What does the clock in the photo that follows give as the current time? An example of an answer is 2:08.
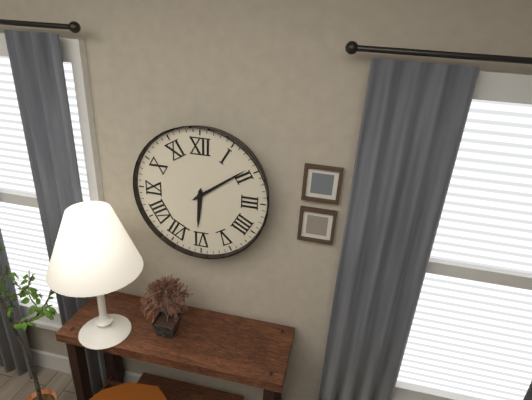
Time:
6:09
